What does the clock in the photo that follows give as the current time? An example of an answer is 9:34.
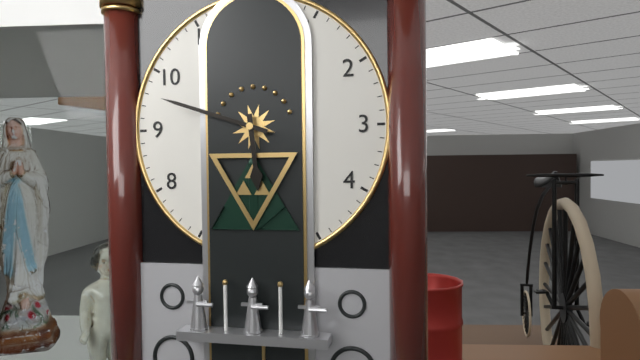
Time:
5:48
